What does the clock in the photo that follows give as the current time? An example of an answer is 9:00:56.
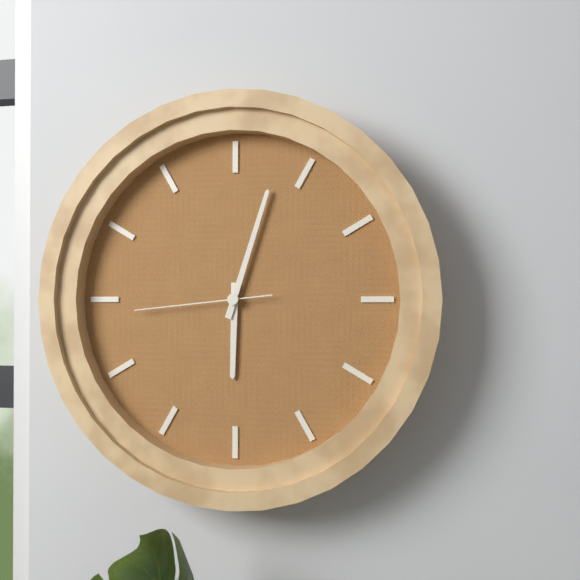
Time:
6:03:44
